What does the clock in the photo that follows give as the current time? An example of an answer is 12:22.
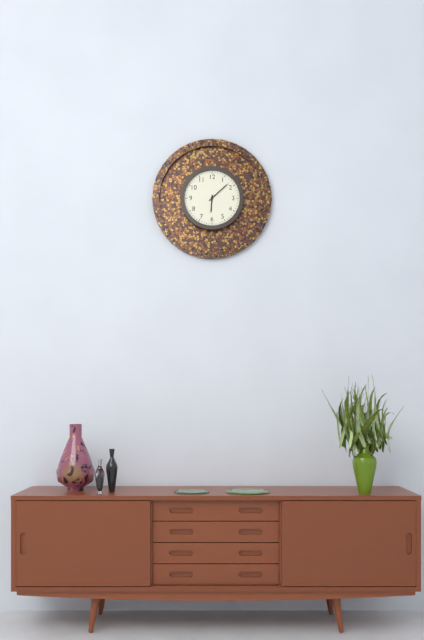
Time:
6:08
